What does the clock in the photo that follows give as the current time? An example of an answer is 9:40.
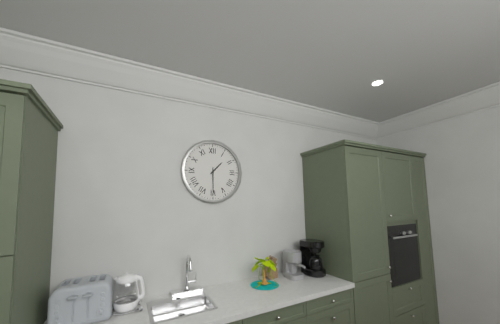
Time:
1:30
